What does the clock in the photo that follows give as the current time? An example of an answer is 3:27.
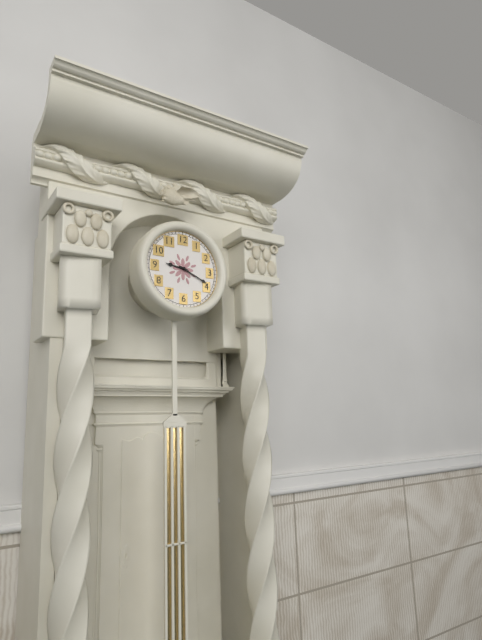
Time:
9:19
